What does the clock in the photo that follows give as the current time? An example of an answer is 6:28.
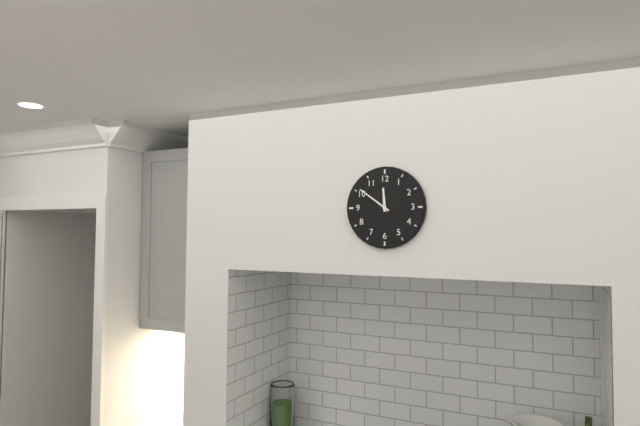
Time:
11:51
